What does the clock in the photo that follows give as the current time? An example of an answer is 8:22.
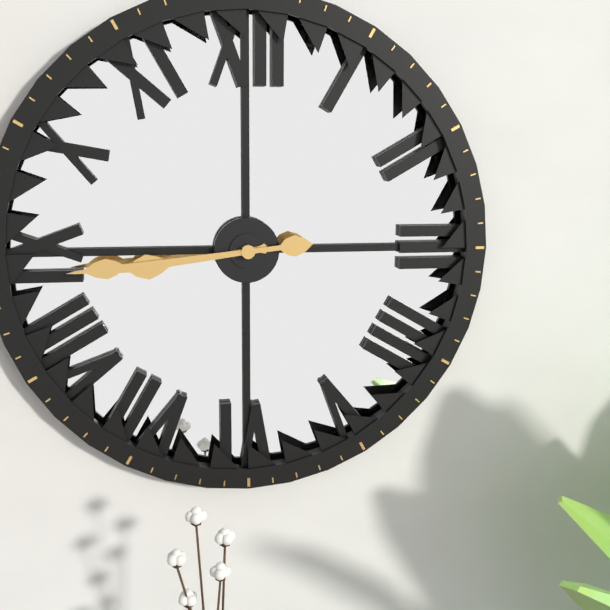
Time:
8:44
